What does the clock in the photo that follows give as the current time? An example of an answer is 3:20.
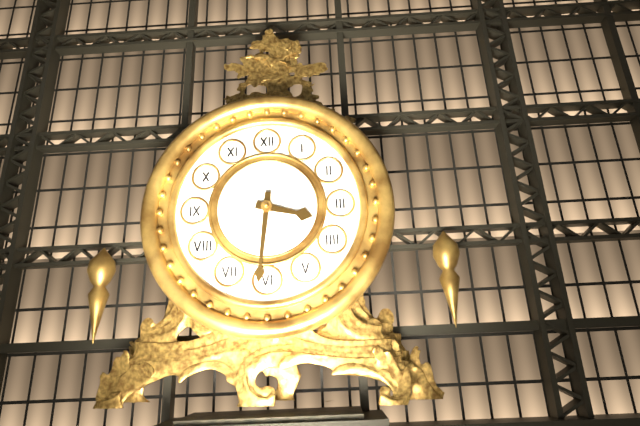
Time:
3:31
